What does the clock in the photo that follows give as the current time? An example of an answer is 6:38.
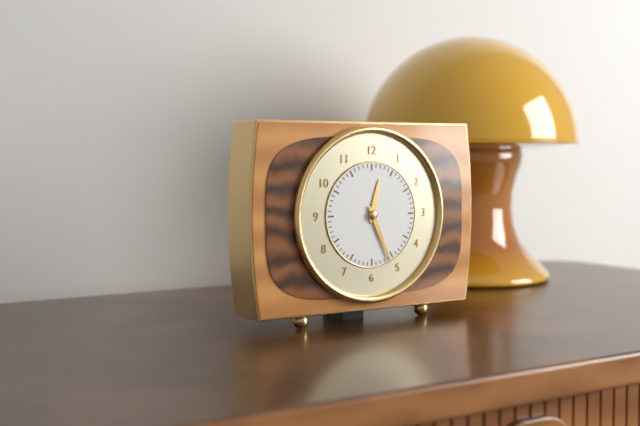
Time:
12:26
